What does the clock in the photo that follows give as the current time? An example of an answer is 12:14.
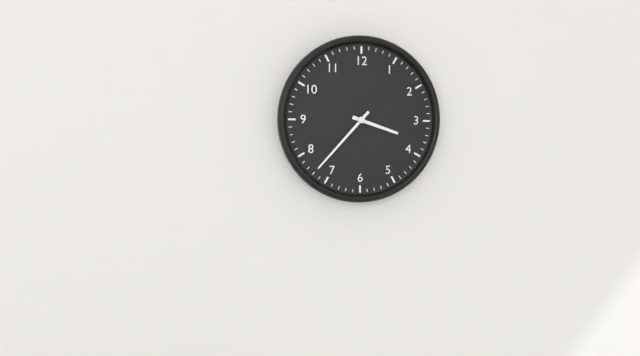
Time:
3:37
